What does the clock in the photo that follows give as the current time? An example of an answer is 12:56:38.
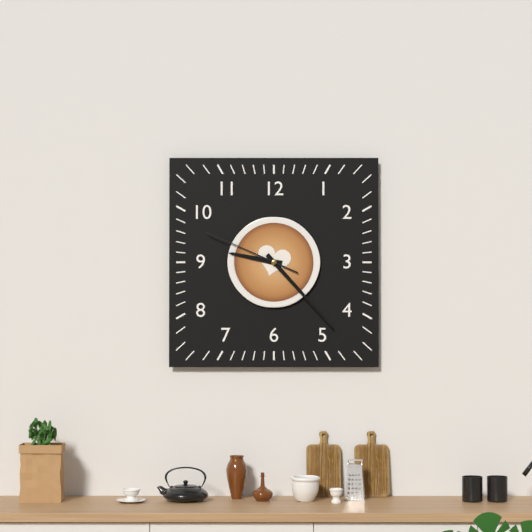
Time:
9:23:49
